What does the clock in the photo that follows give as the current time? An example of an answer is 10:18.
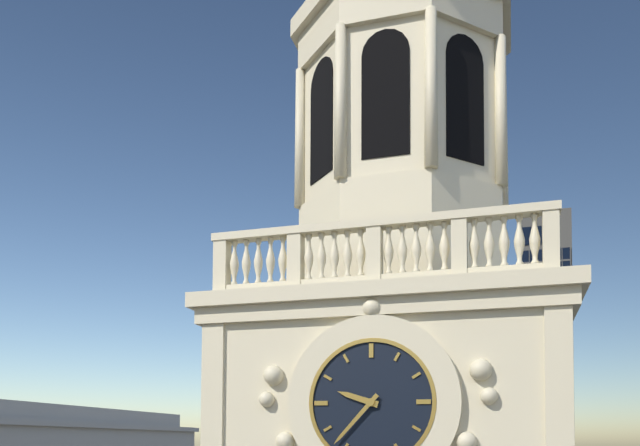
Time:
9:37
